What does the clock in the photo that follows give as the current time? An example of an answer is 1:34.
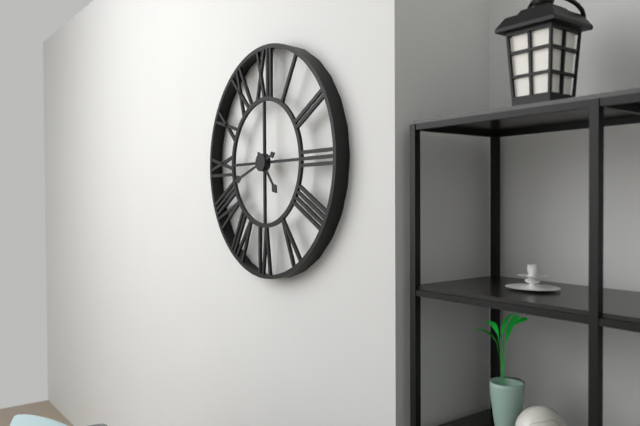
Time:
4:42
